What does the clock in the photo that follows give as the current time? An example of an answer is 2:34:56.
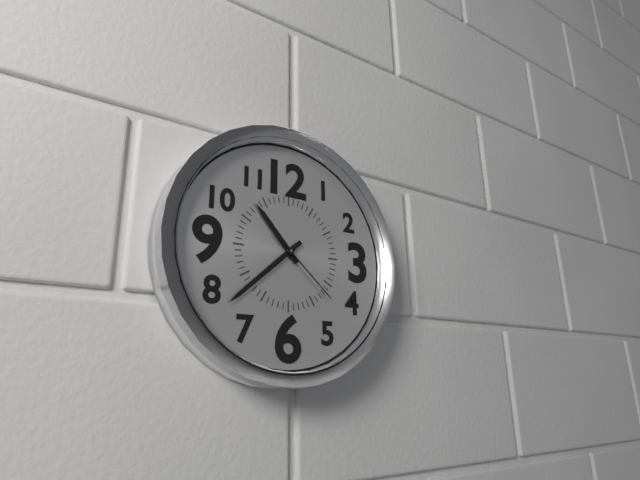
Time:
10:38:22
